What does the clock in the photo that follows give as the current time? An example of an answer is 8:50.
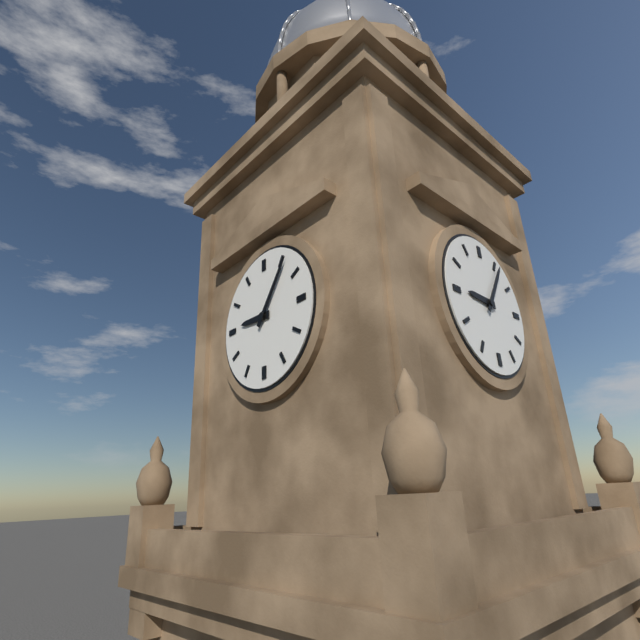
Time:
9:06
